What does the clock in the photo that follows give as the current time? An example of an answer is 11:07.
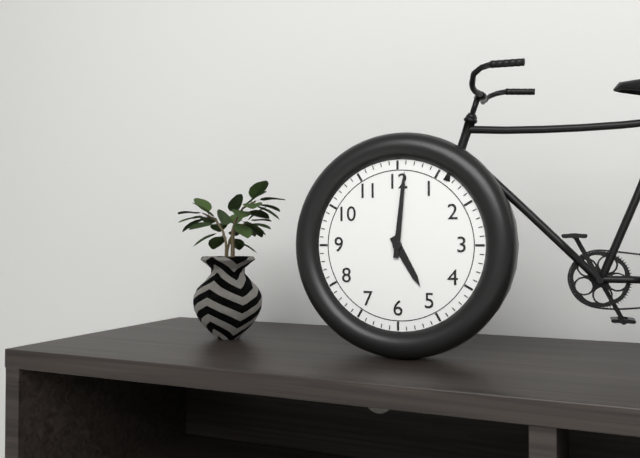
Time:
5:01
